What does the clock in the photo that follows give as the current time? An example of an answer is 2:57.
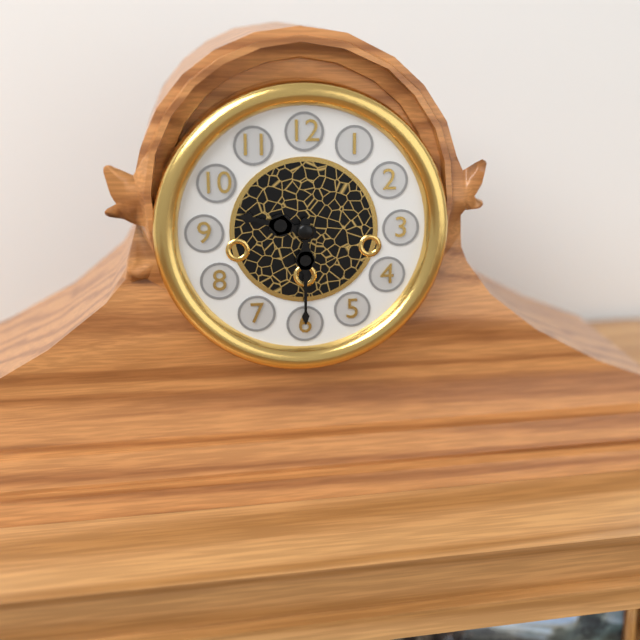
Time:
9:30
